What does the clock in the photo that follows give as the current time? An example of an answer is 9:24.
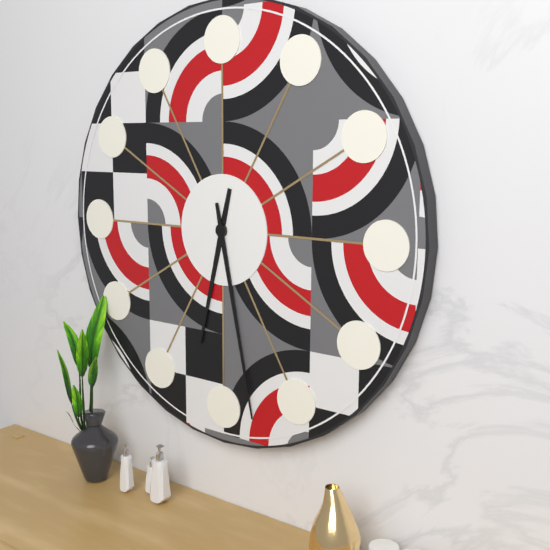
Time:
6:28
